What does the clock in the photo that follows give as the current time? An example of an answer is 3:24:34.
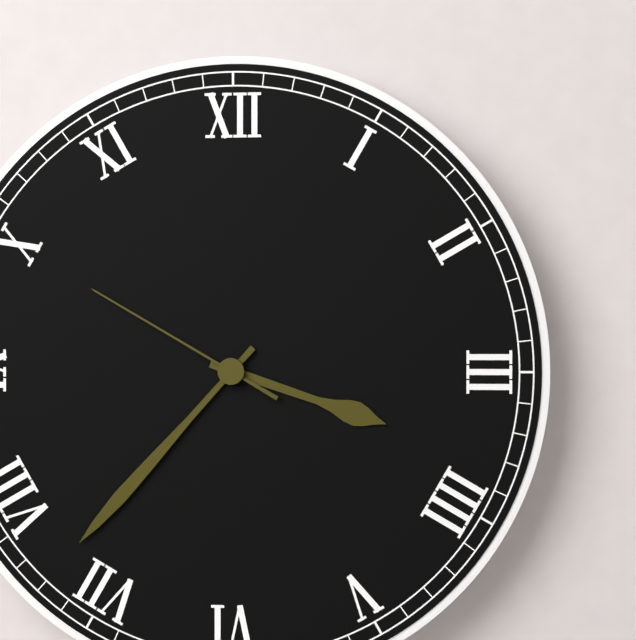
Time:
3:37:50
